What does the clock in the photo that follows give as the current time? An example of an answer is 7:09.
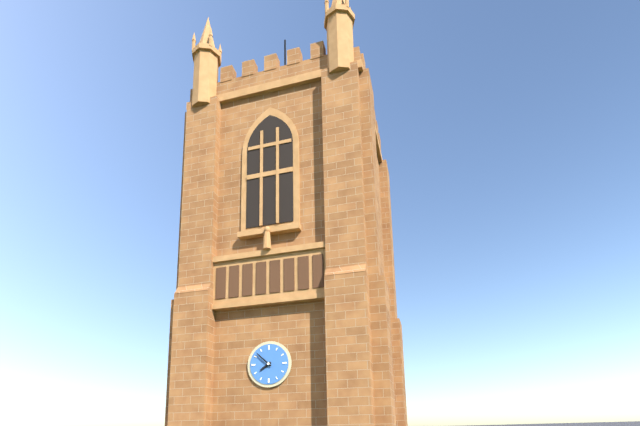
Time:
7:52
